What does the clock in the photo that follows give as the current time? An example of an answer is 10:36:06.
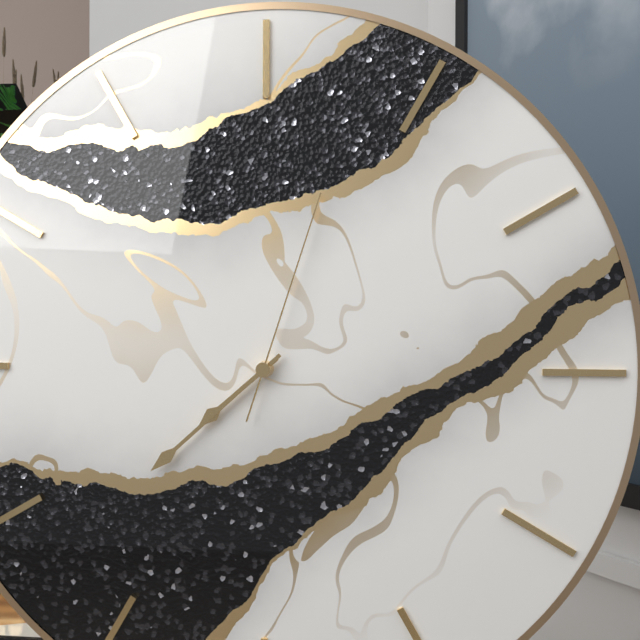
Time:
7:38:03
